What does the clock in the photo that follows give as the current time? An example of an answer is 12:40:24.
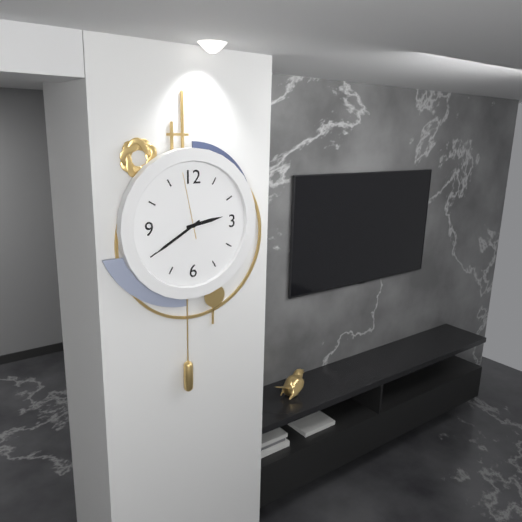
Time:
2:40:58
